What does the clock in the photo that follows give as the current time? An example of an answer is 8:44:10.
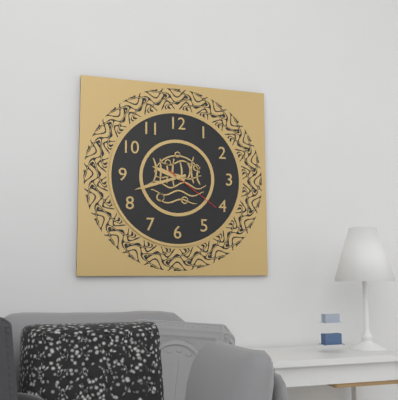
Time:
9:42:21
